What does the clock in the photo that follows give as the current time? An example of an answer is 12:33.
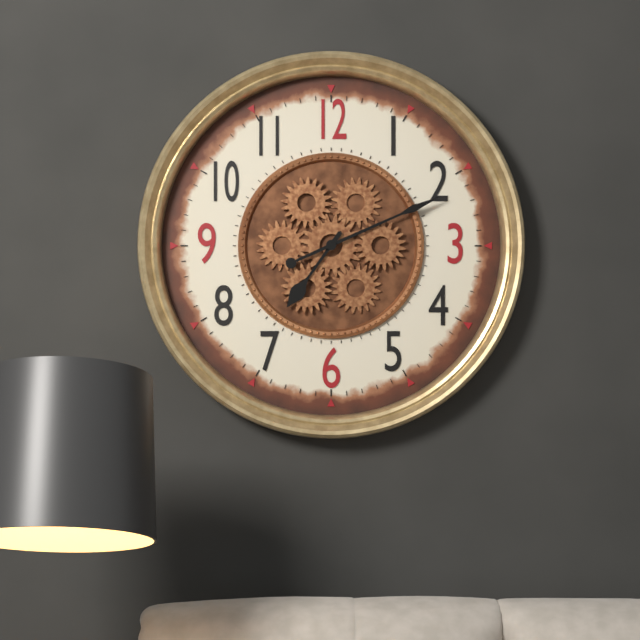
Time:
7:11
